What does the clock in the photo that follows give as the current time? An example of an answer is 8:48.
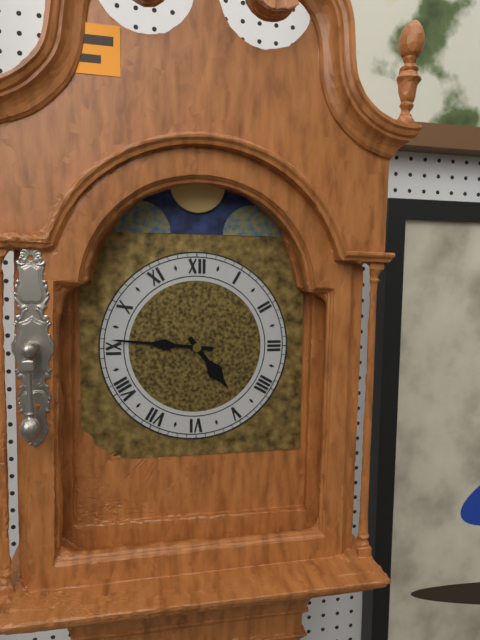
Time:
4:46
